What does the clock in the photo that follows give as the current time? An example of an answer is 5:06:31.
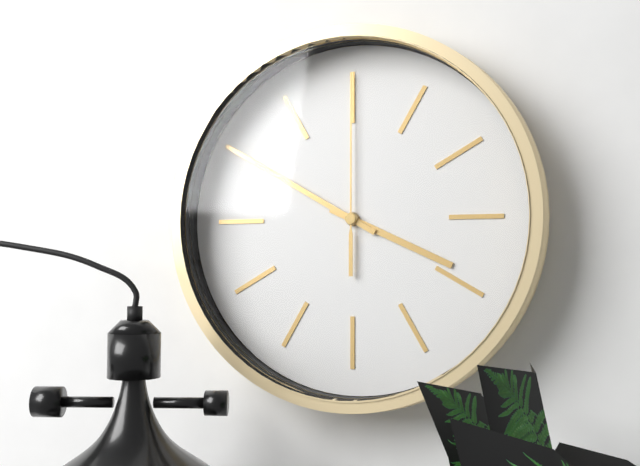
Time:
3:50:00
